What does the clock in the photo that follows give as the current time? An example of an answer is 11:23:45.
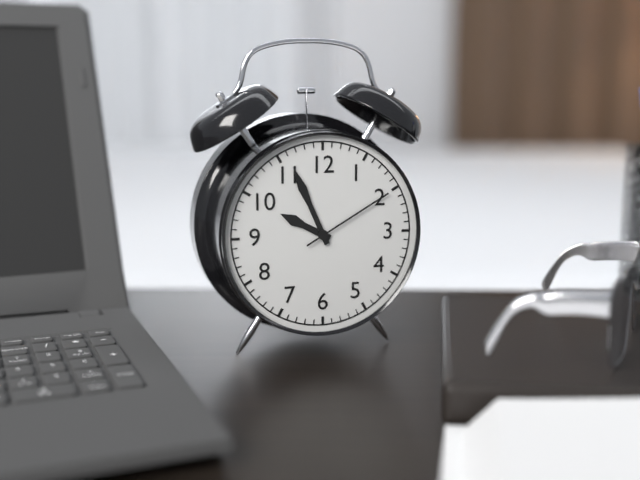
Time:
9:56:10
